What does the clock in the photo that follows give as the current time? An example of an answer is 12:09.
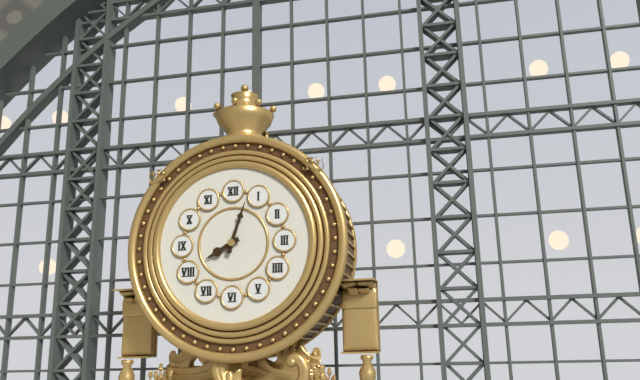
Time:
8:03
